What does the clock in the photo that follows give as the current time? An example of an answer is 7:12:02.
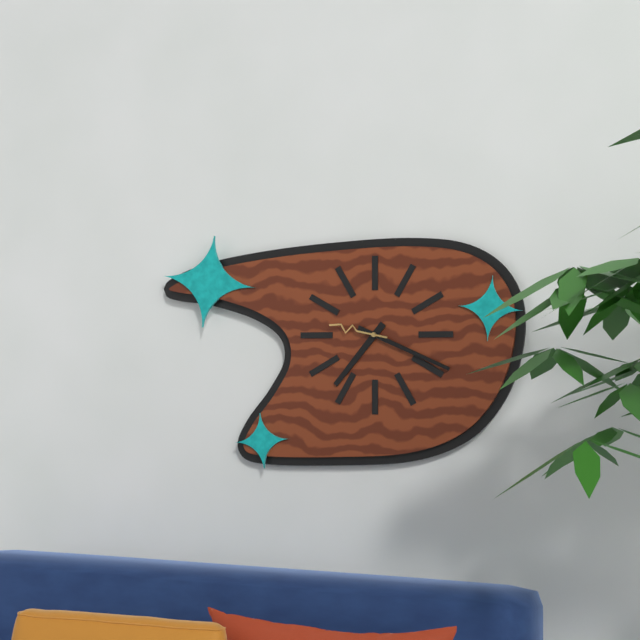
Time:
7:19:47
